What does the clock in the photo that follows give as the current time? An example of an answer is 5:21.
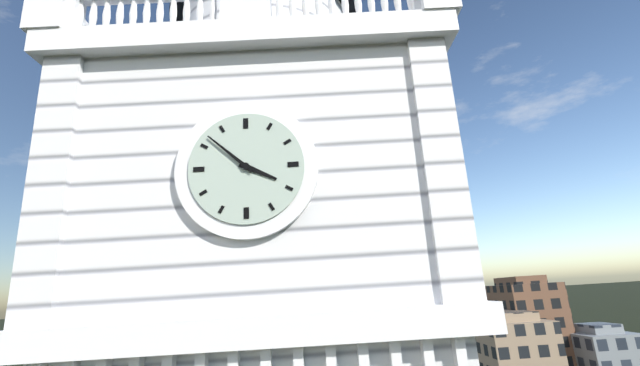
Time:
3:52
